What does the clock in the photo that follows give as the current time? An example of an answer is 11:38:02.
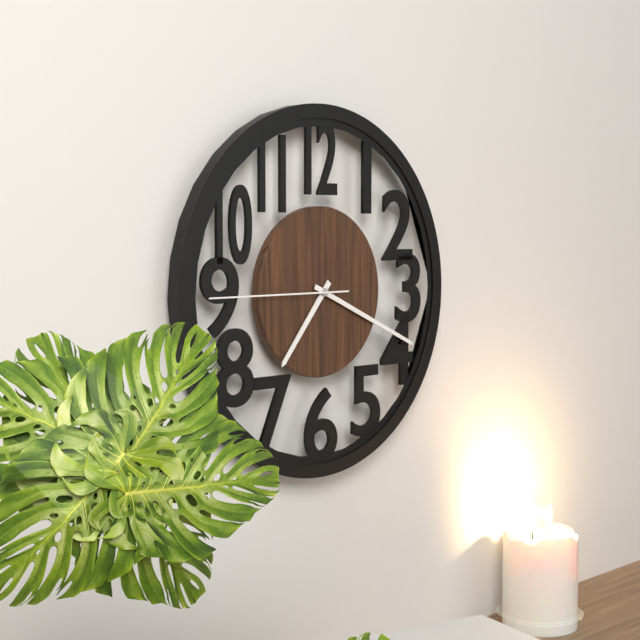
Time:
7:19:45
